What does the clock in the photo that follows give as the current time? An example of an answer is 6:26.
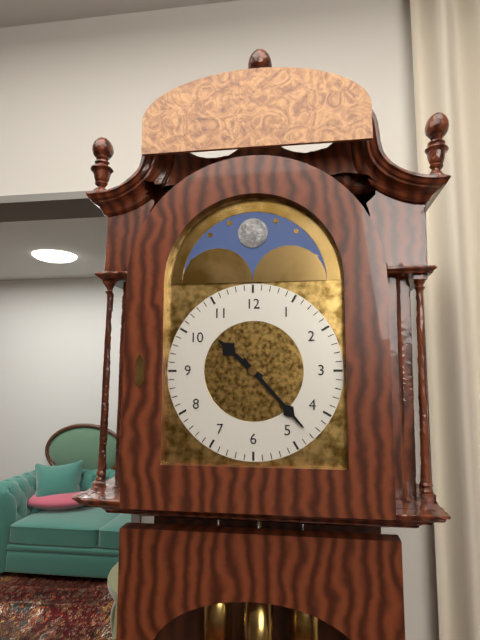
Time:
10:23
